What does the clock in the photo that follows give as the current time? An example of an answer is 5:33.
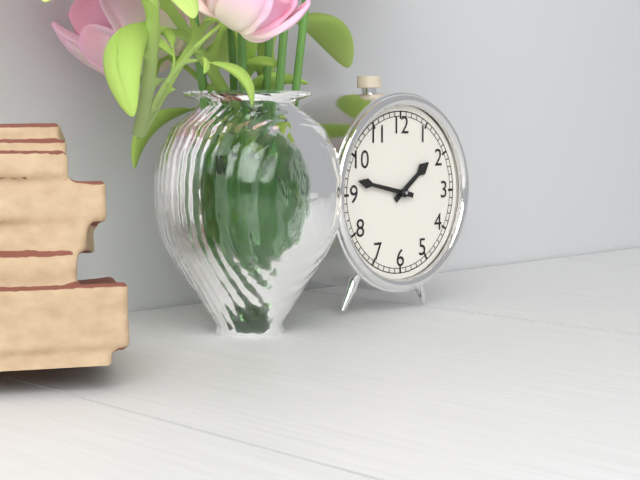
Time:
1:47
